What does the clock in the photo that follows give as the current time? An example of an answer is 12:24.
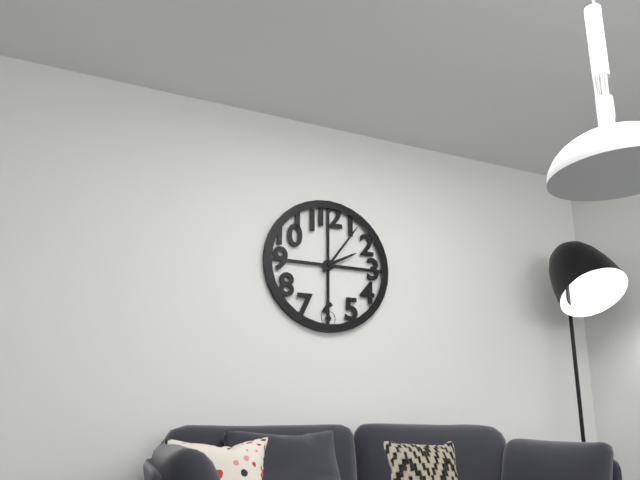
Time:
2:06
